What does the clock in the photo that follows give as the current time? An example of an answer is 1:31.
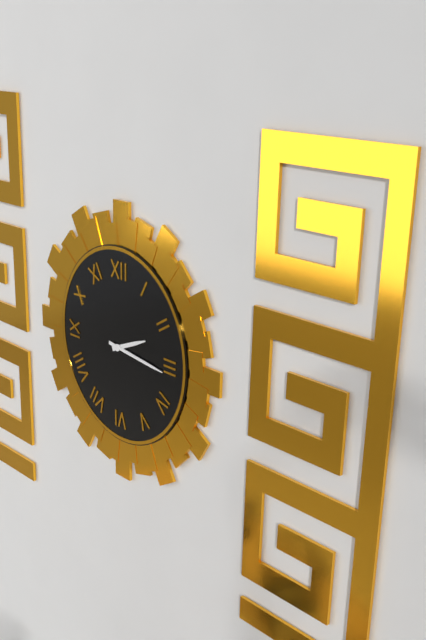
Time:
2:16
